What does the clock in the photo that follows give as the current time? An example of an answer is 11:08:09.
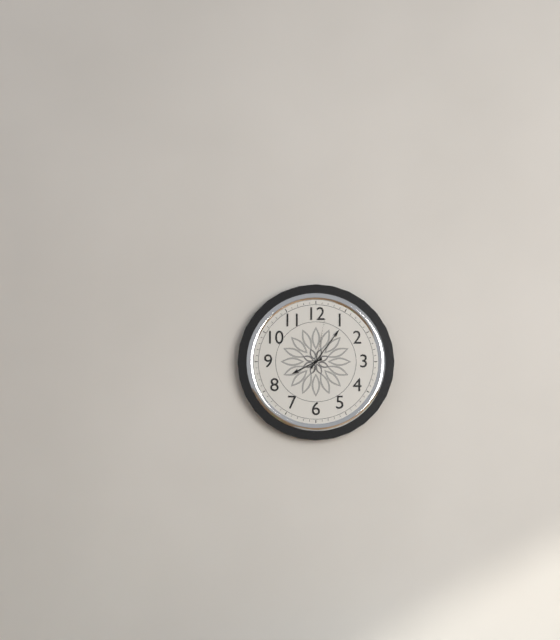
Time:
8:06:02
